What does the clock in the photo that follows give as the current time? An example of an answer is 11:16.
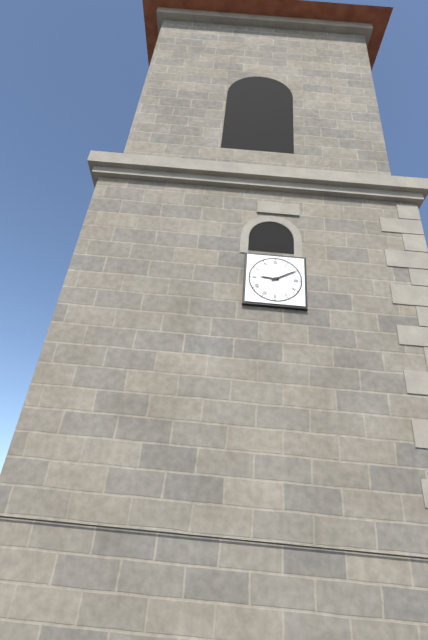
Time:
9:10
